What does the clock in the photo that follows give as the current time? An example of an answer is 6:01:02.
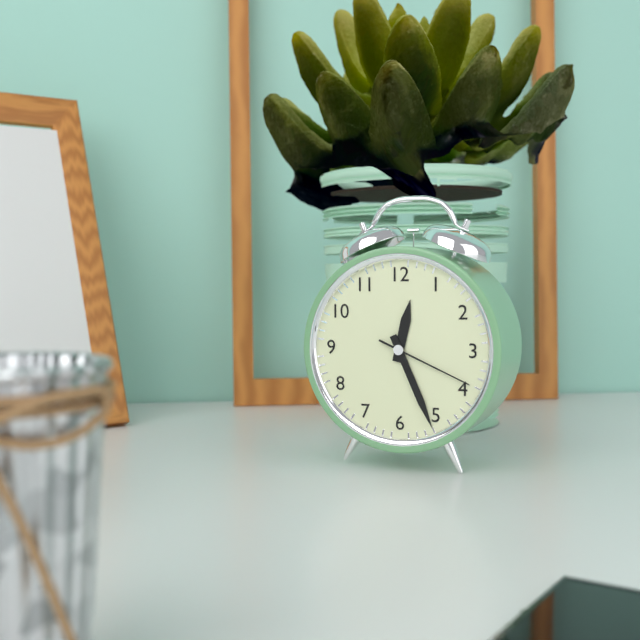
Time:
12:26:19
